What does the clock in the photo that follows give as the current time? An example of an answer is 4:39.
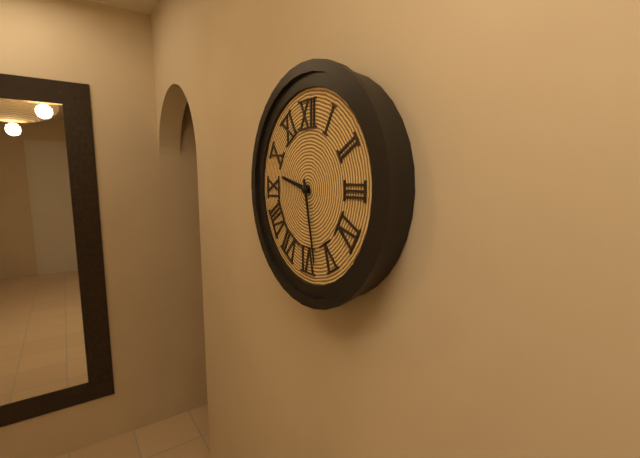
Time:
9:28
